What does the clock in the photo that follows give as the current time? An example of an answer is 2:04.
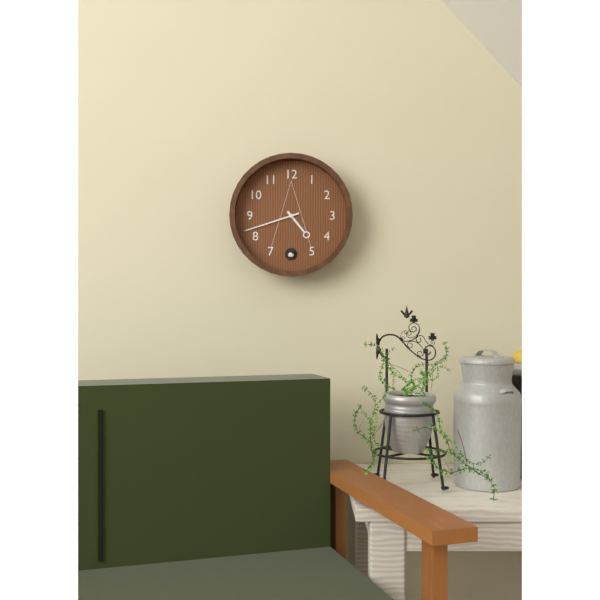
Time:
4:42
